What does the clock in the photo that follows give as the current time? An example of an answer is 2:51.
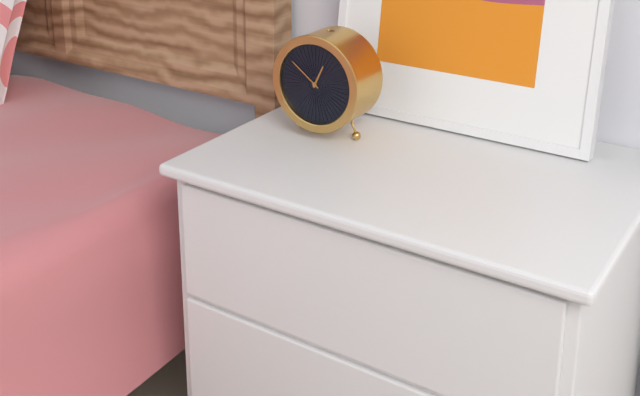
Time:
12:51
